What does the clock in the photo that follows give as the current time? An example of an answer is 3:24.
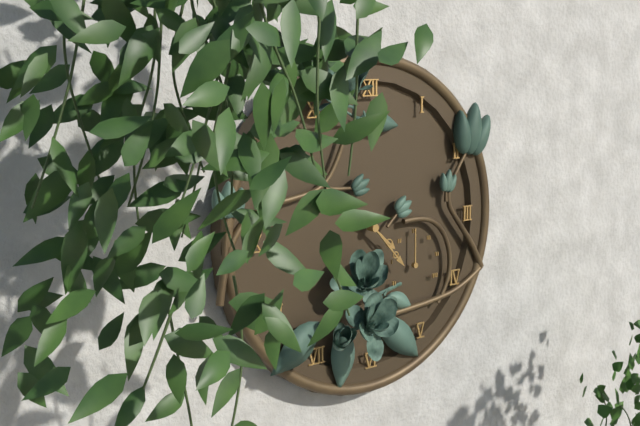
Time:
4:23
